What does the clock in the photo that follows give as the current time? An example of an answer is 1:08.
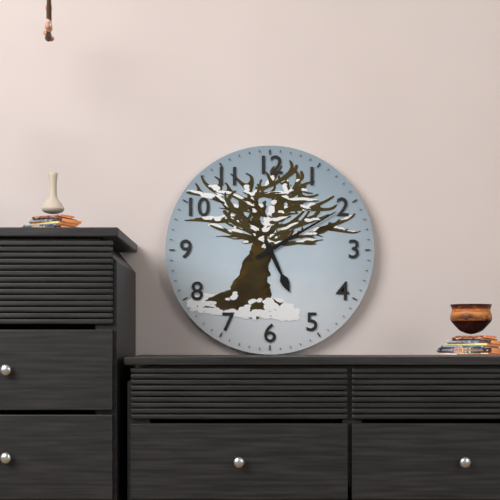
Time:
5:10
